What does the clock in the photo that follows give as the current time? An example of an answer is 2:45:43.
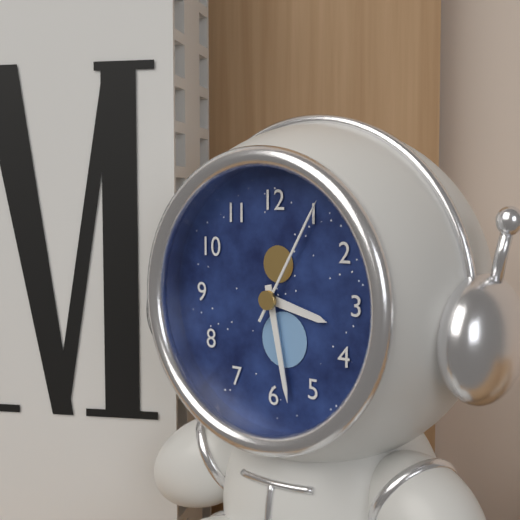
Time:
3:28:05
